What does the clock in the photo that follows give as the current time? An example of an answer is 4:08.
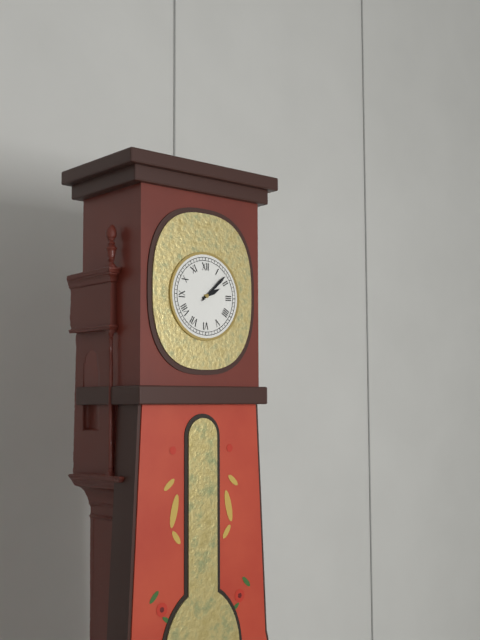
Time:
2:08
